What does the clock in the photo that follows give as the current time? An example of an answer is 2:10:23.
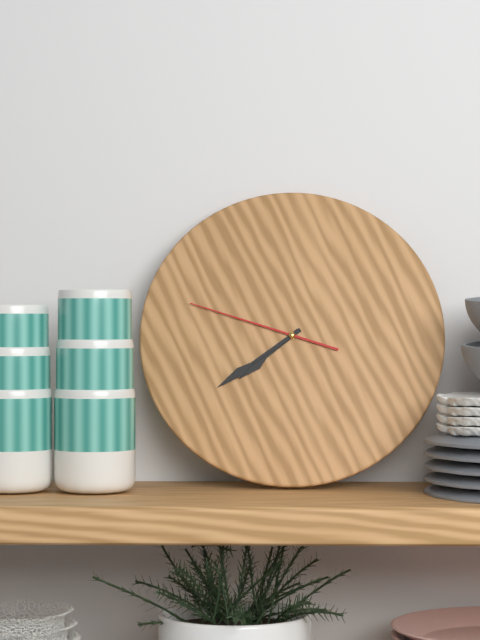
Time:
7:39:48
